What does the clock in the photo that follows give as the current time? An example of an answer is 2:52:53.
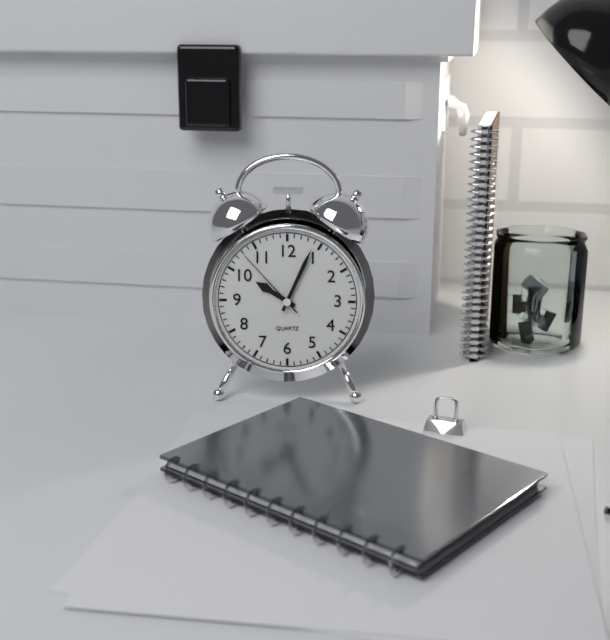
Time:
10:04:53
